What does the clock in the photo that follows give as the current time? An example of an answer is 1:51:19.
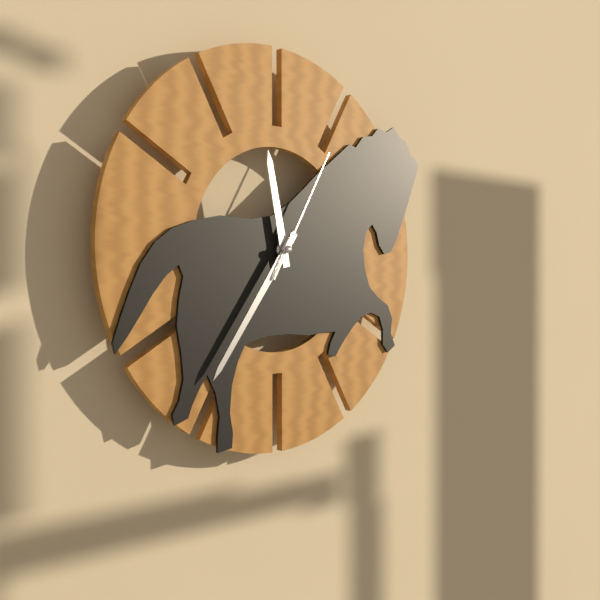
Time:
11:36:05
